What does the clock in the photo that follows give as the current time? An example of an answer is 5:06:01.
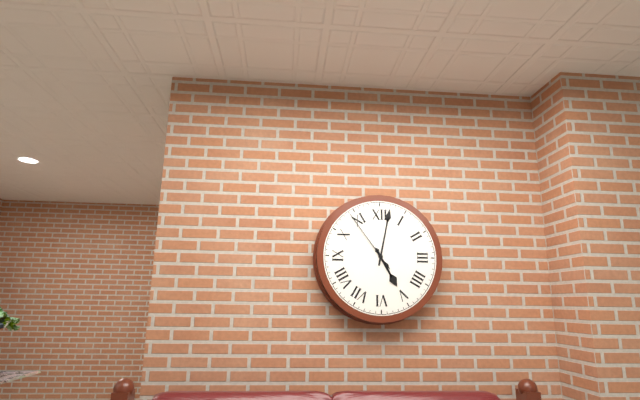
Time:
5:02:54
